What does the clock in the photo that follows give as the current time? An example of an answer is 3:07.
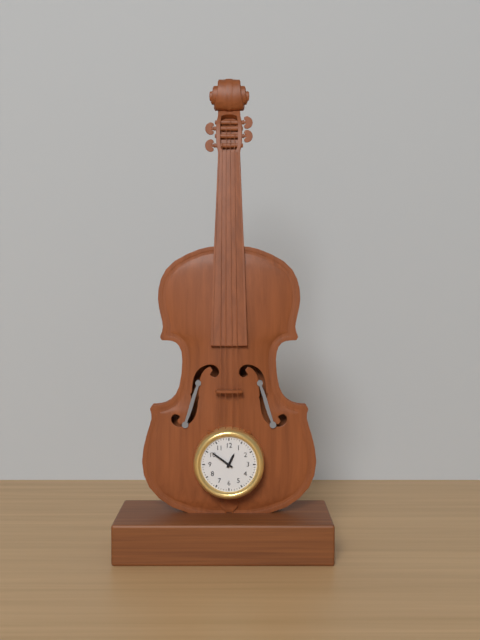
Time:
12:51
